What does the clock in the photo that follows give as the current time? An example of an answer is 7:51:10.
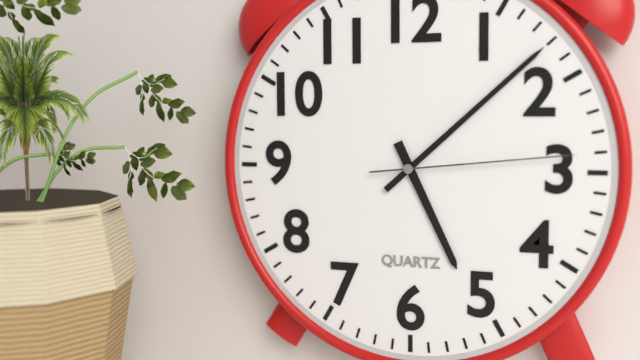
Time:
5:08:14
